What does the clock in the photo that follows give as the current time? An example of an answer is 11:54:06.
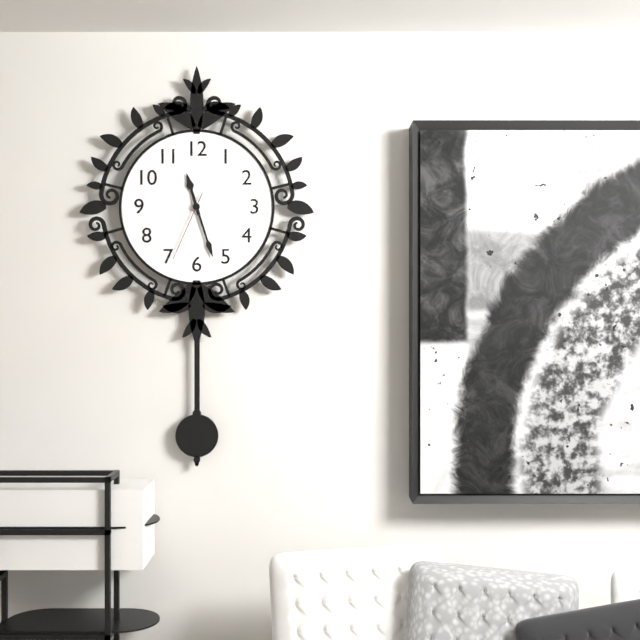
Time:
11:27:34
